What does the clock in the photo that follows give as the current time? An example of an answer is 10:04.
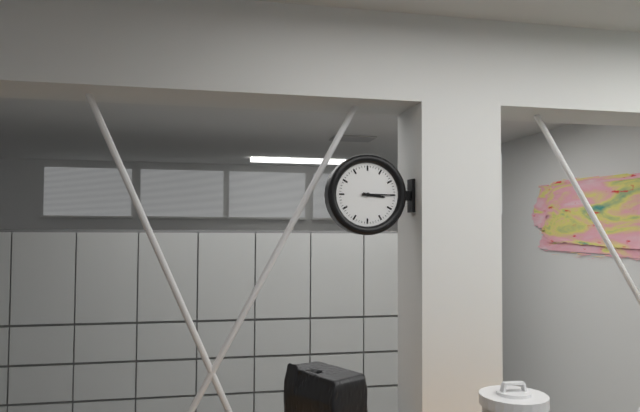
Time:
3:15
